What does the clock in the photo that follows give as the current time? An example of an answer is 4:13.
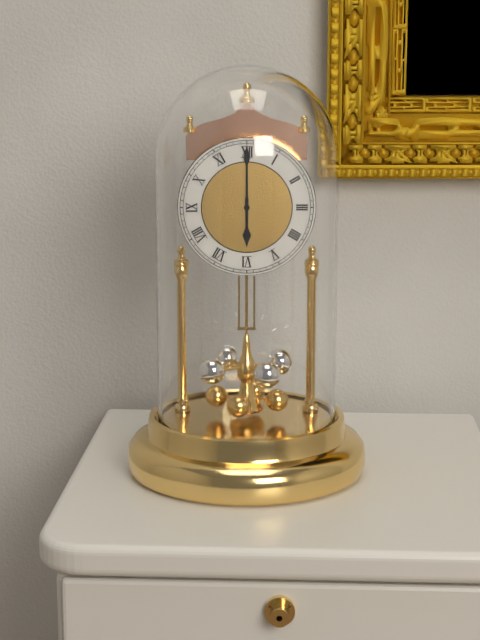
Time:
6:00
